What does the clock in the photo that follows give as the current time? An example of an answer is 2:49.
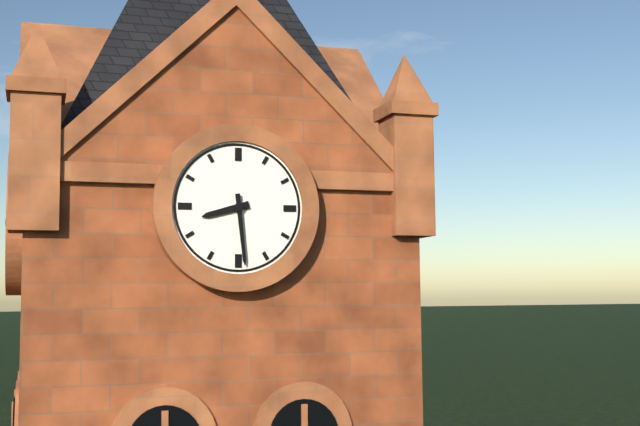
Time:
8:29
